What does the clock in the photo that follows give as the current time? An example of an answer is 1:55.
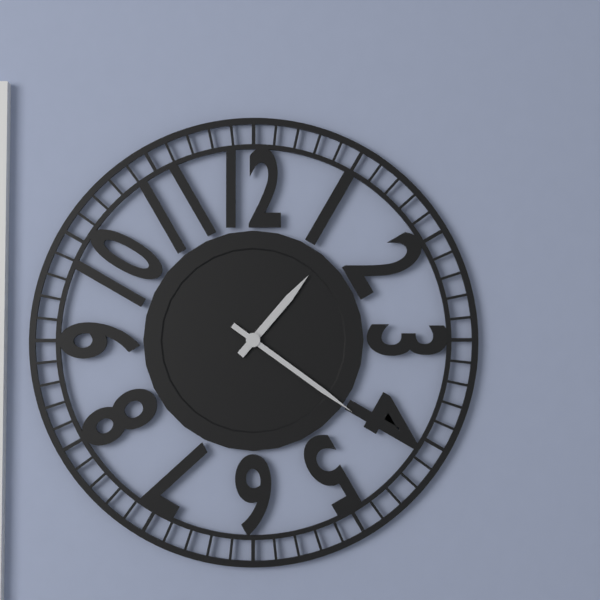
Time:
1:21
